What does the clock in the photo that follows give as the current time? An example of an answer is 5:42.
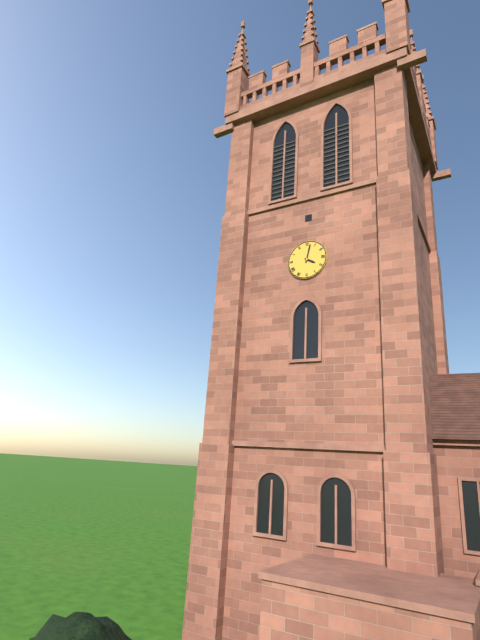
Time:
4:02
